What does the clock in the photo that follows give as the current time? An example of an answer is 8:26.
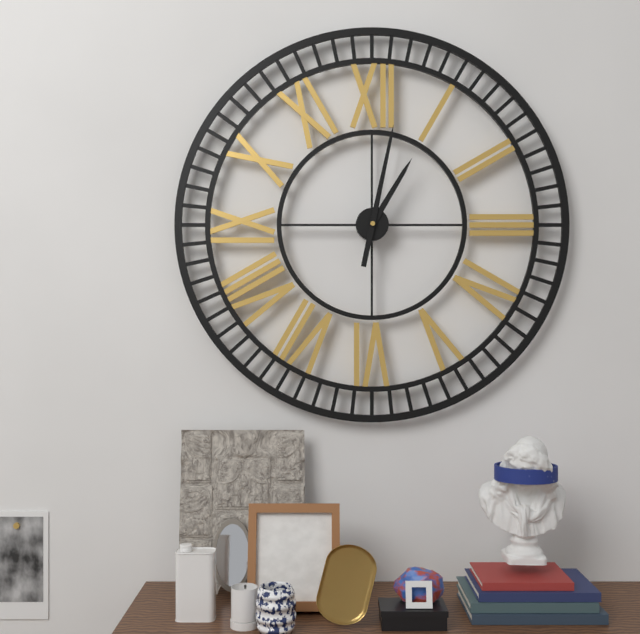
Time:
1:02
